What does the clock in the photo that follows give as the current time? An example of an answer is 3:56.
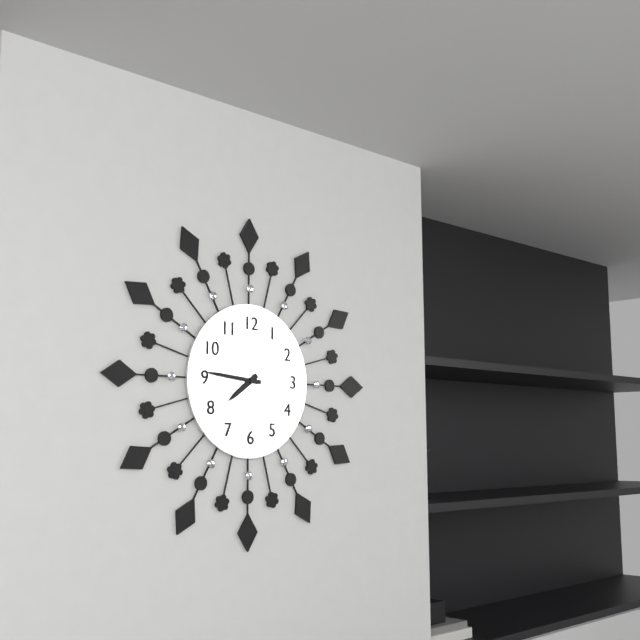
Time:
7:46
